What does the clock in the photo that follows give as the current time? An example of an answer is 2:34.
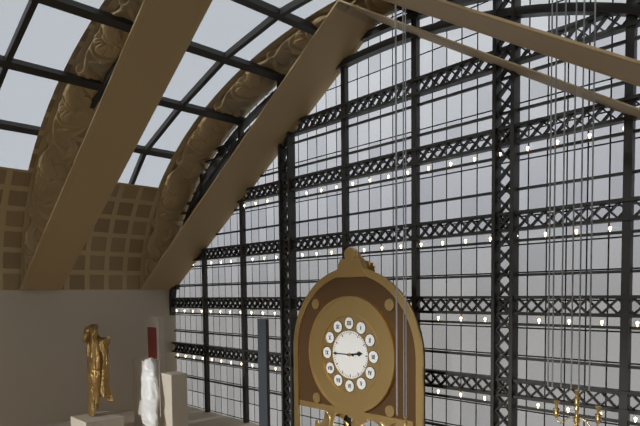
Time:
2:45
